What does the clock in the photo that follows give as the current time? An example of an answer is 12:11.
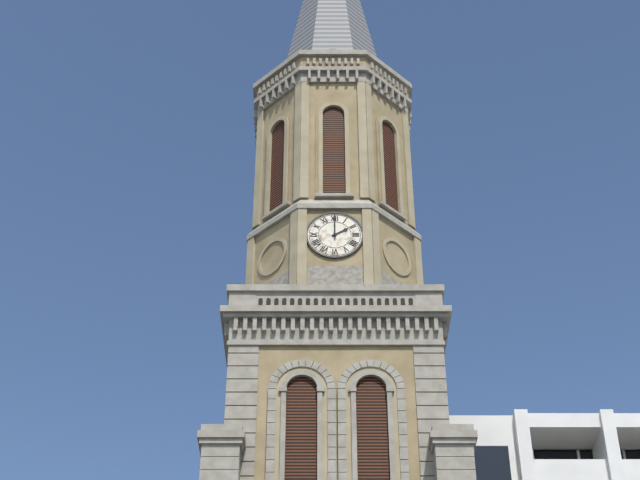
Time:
2:00
